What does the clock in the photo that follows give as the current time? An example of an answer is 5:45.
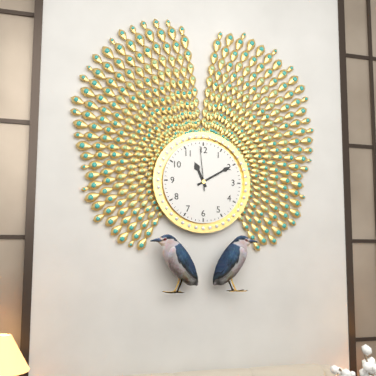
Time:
11:10
